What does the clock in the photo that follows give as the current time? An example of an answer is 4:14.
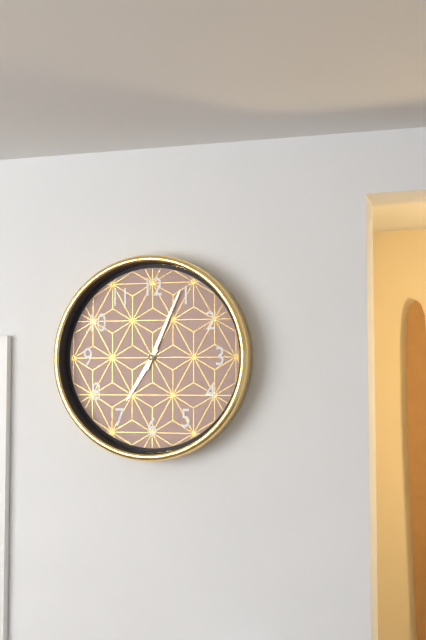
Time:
7:04
